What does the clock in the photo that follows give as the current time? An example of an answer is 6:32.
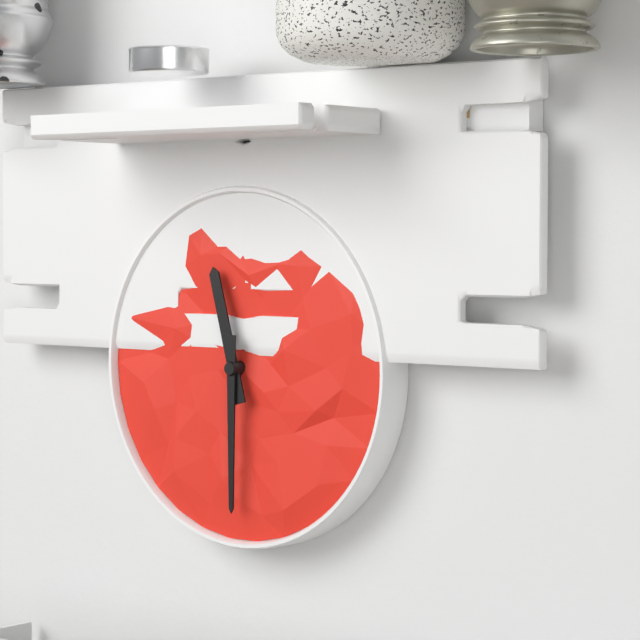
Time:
11:30
